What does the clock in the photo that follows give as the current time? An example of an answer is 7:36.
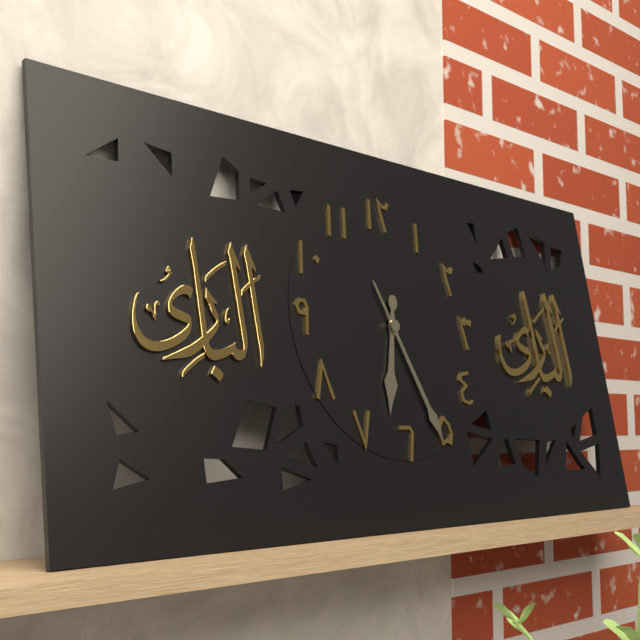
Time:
6:26
